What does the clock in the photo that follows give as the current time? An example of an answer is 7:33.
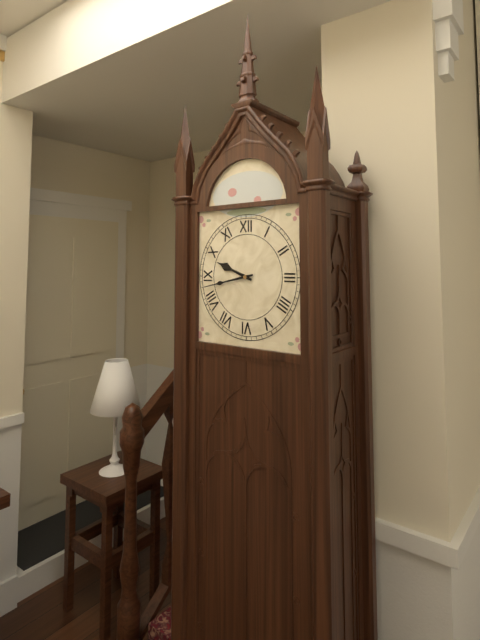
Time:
9:43
